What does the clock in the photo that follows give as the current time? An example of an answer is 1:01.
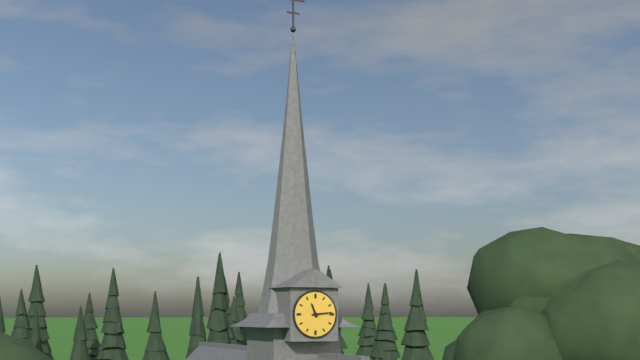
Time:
11:14
